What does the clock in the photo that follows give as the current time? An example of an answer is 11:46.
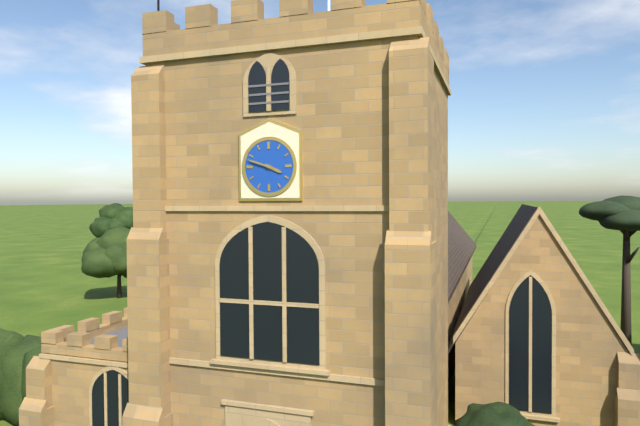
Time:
3:48
